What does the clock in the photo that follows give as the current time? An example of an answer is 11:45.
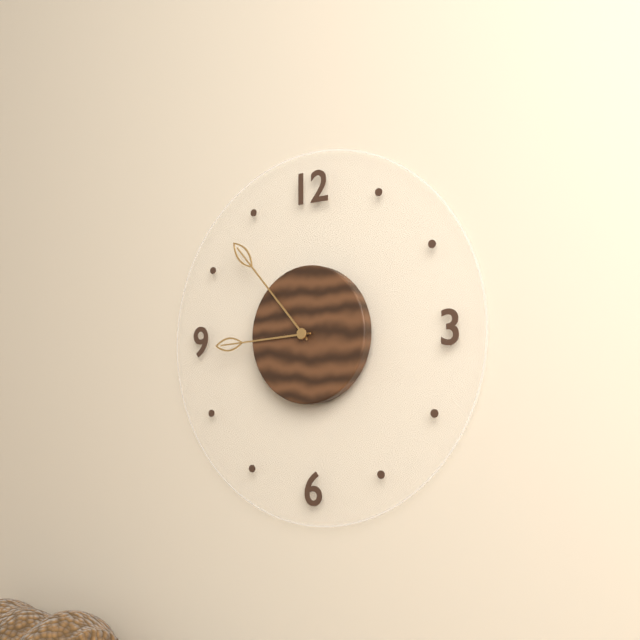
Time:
8:53
